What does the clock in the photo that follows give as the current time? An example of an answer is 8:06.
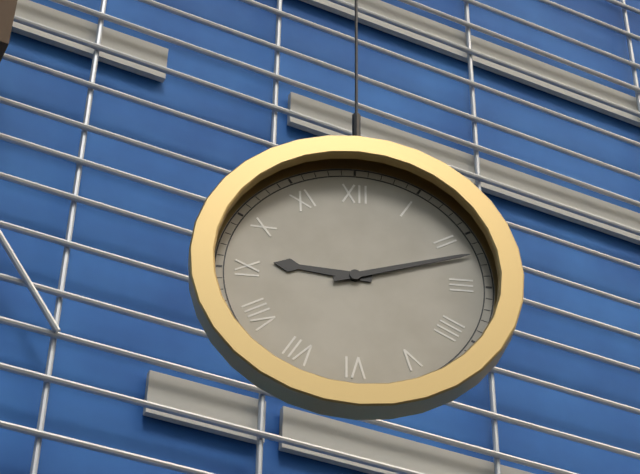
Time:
9:12
